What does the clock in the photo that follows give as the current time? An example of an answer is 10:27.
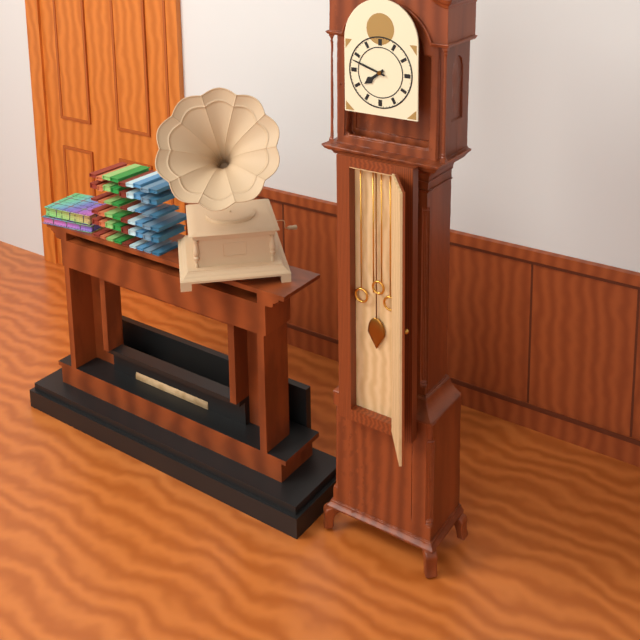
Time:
7:48
